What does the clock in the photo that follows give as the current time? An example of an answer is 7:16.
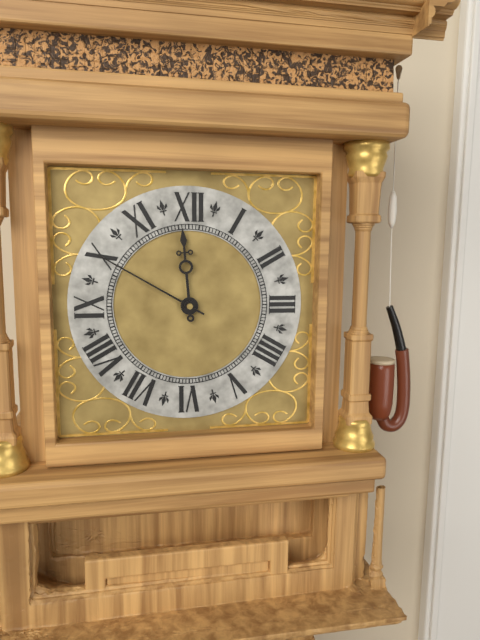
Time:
11:50
